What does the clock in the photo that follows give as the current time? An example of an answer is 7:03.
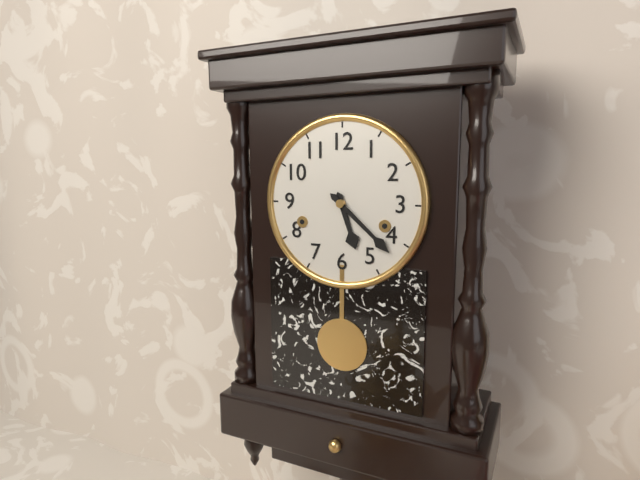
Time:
5:22
